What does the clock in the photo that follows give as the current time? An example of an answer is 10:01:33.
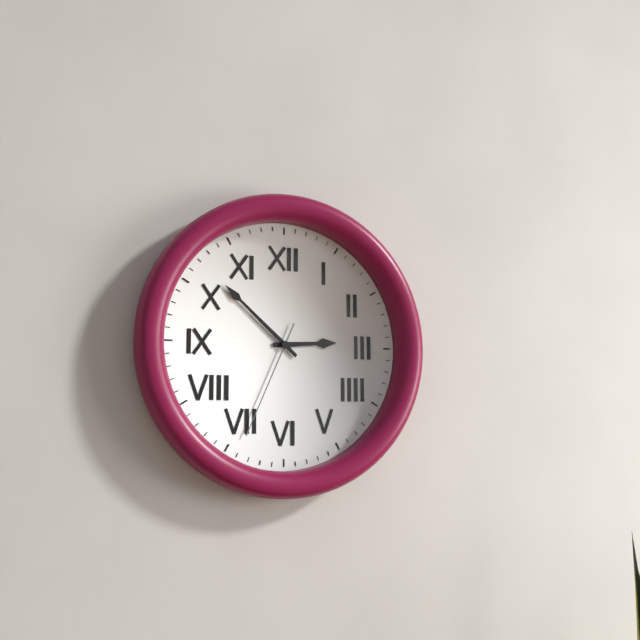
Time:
2:52:34
